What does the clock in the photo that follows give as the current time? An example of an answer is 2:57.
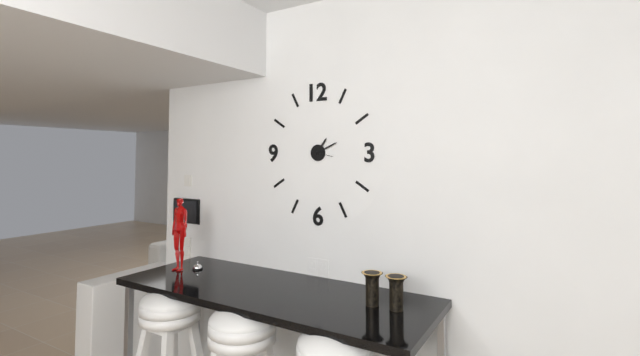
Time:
1:11
